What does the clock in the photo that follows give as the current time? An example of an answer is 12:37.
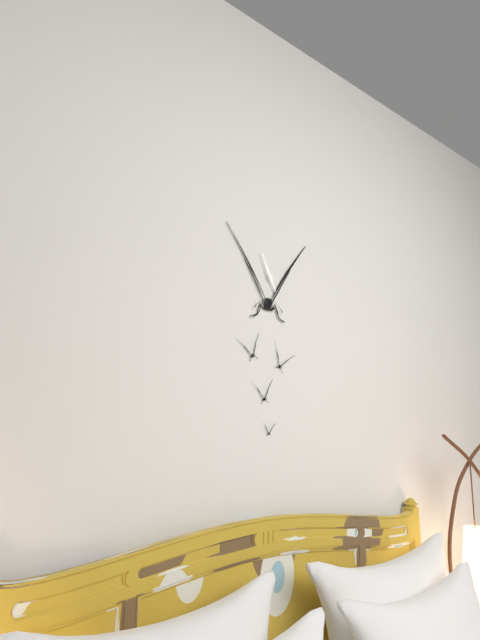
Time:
4:56
